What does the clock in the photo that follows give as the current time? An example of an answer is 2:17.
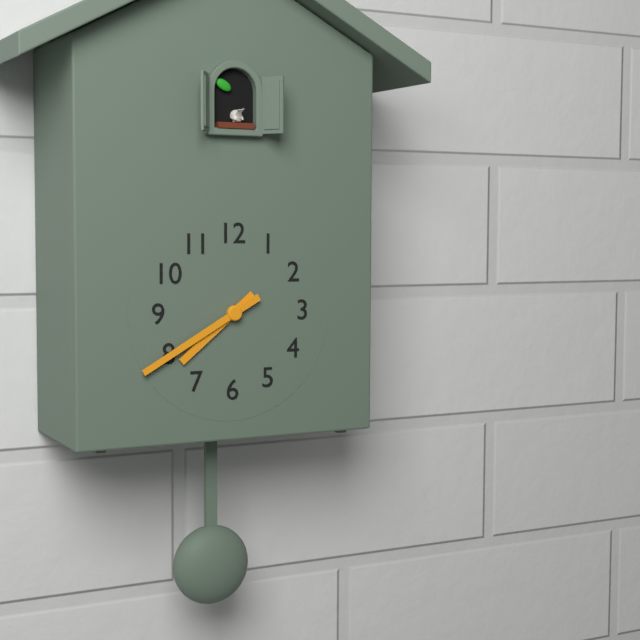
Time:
7:40
